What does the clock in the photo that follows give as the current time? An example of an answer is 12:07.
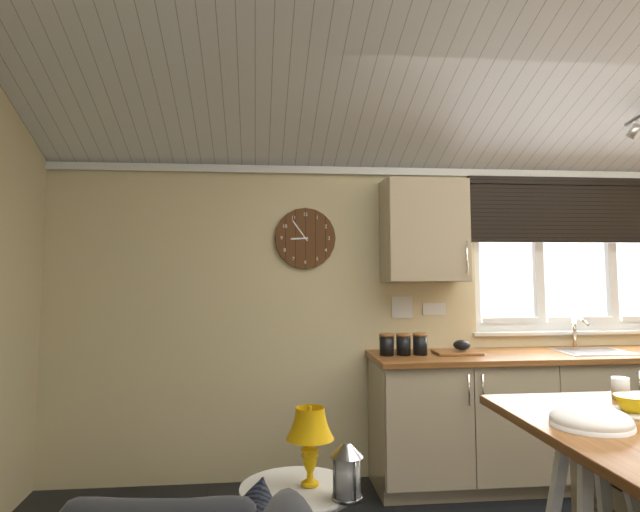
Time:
8:54
